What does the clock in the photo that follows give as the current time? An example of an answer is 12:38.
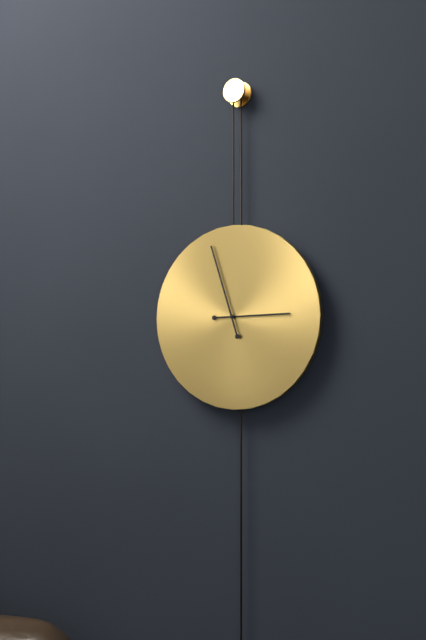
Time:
2:57
